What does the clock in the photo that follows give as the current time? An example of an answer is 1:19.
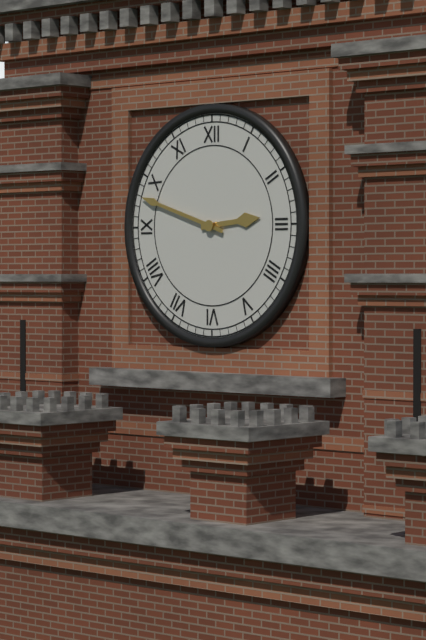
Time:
2:48
